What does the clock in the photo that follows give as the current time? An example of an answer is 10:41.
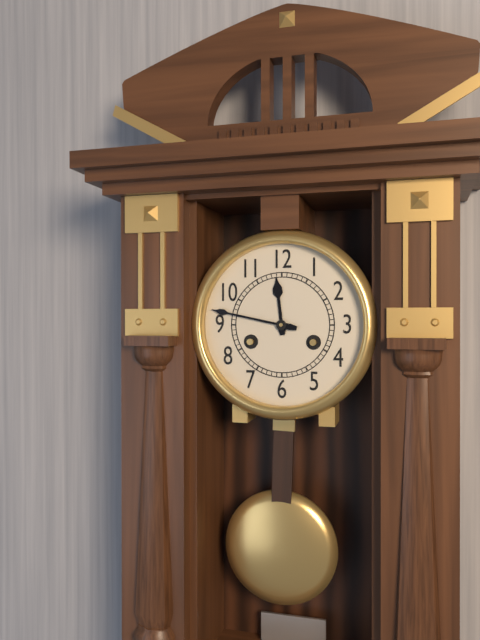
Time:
11:47
